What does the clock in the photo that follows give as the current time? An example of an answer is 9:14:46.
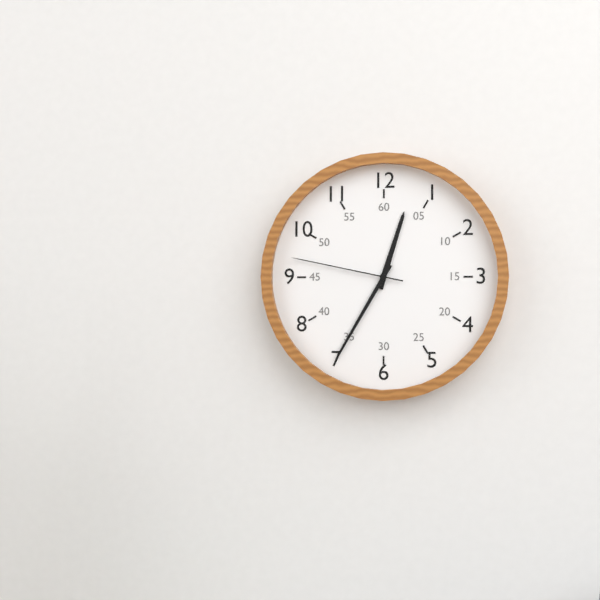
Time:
12:35:47
